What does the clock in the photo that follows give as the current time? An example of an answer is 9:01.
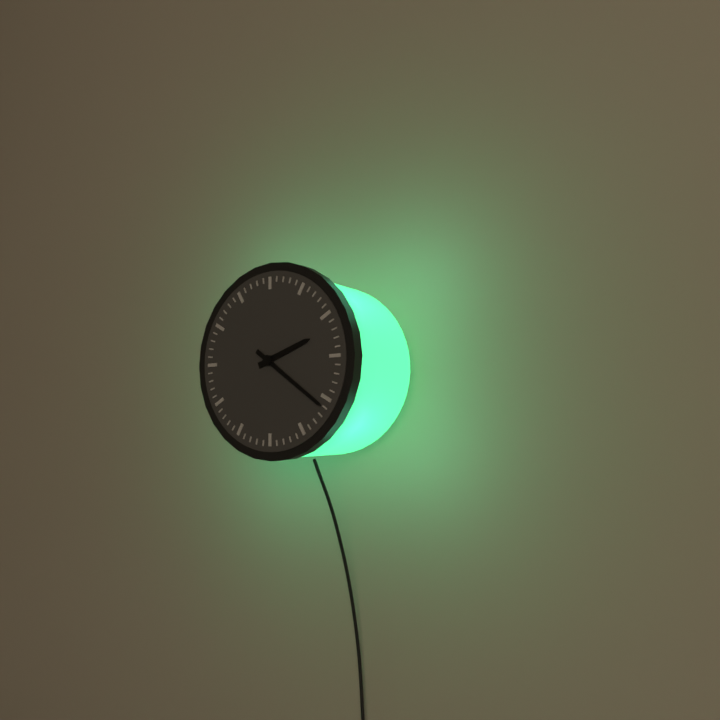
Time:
2:21
